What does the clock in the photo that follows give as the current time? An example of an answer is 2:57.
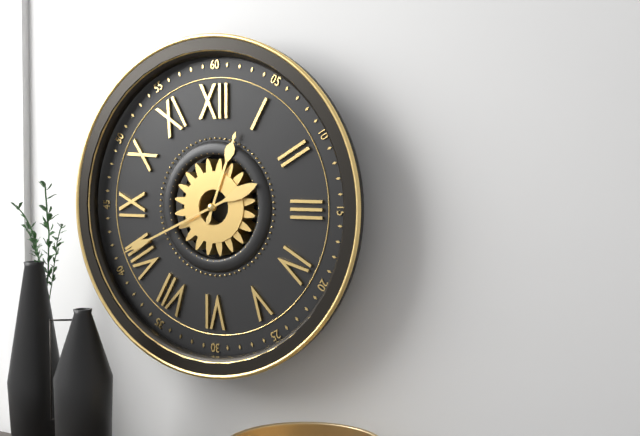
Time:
12:41
